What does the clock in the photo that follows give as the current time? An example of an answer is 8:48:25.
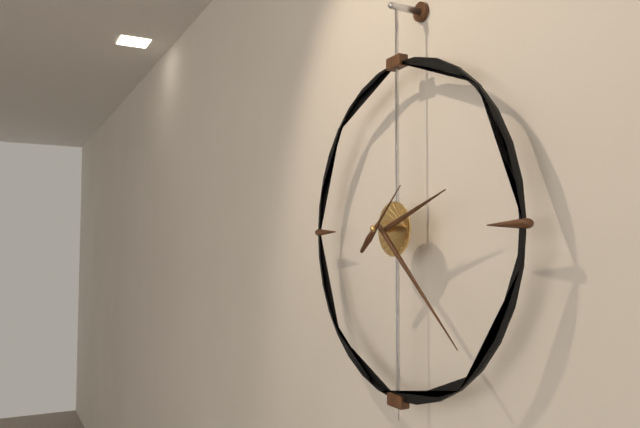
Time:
2:22:08
